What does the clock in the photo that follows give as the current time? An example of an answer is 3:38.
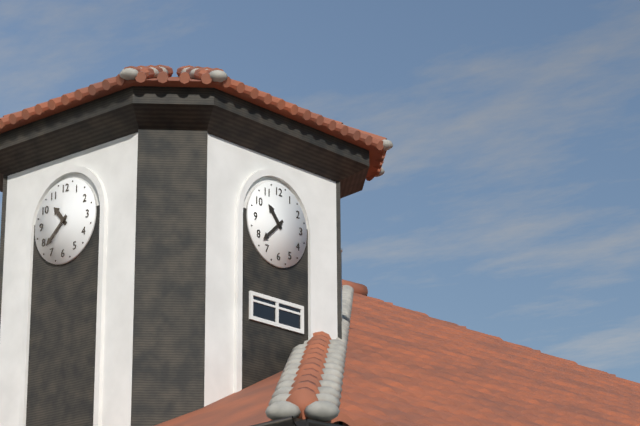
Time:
10:38
